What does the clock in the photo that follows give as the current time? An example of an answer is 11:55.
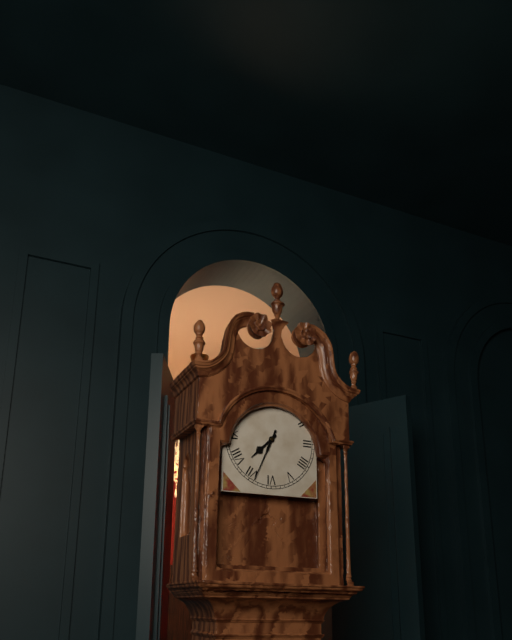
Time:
7:34
